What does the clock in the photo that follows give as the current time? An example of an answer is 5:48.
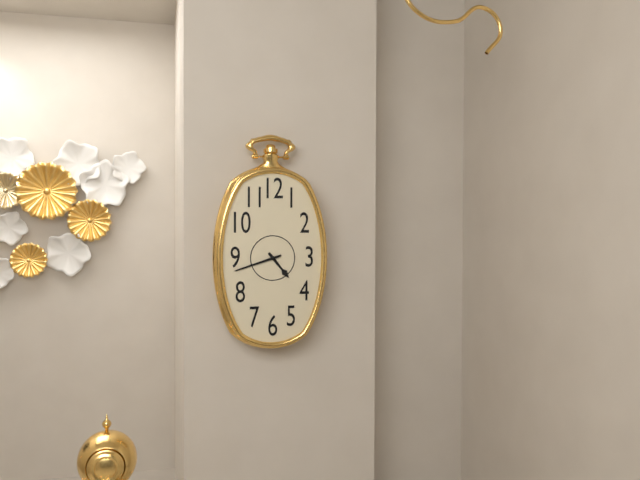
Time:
4:42
